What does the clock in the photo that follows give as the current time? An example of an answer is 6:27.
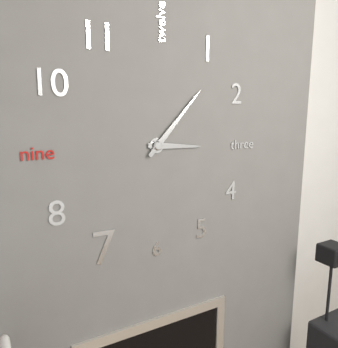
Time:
3:07
